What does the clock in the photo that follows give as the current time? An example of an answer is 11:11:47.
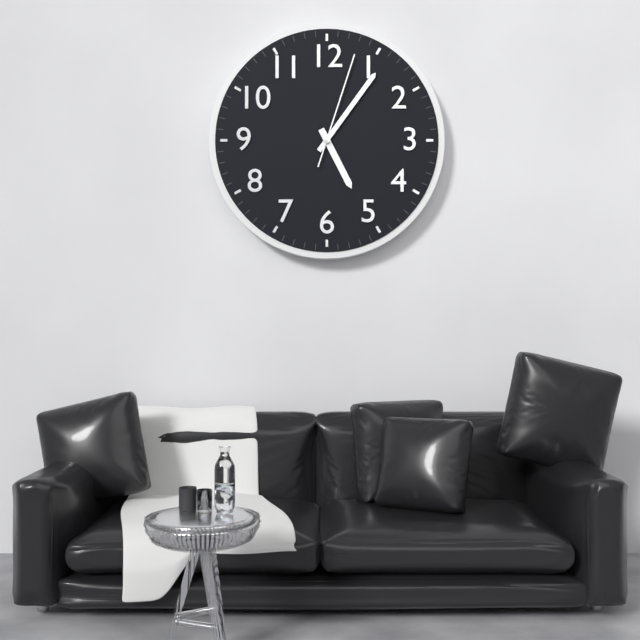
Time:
5:06:03
